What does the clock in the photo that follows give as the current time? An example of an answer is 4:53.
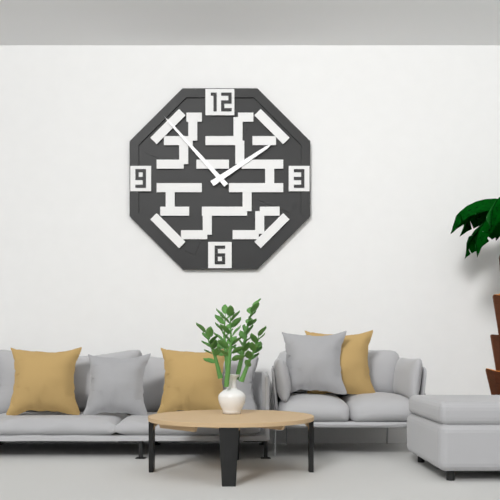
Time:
1:53
